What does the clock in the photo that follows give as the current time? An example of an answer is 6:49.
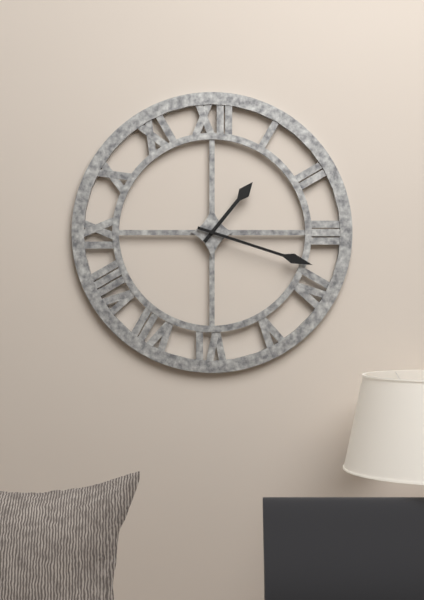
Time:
1:18
